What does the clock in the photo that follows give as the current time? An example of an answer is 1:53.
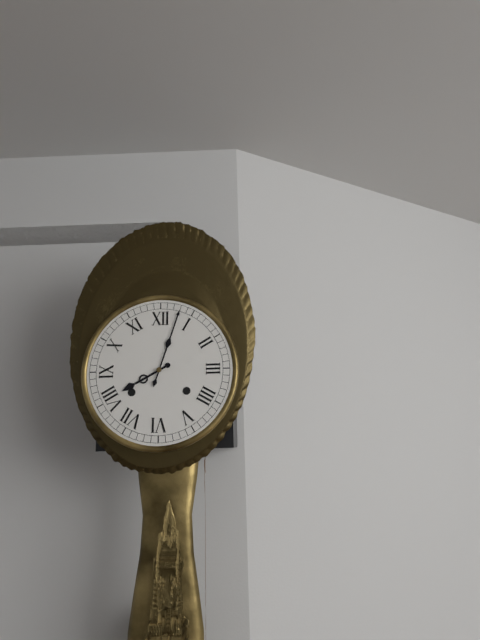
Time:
8:03
